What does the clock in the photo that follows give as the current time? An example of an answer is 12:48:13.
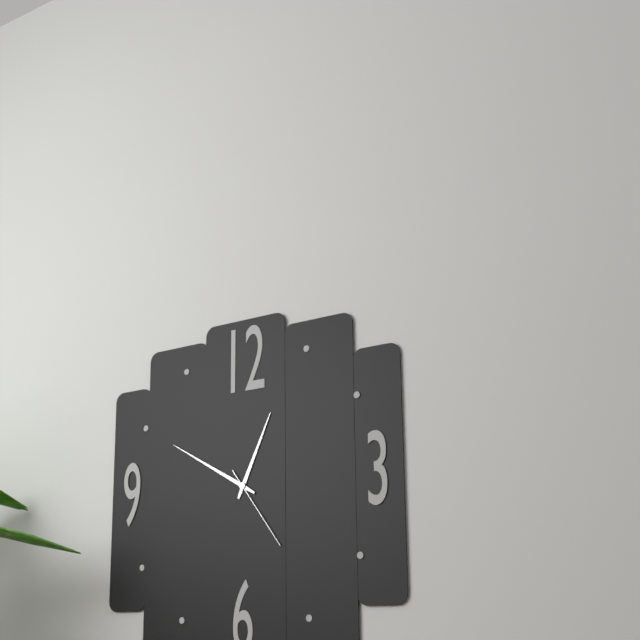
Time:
12:50:24
